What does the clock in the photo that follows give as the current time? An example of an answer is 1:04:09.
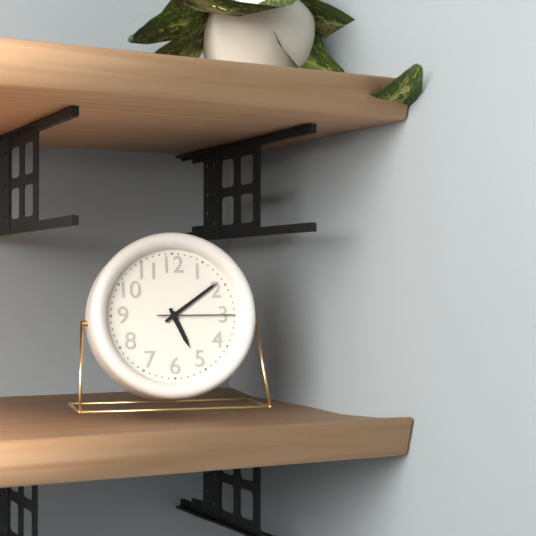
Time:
5:09:15
